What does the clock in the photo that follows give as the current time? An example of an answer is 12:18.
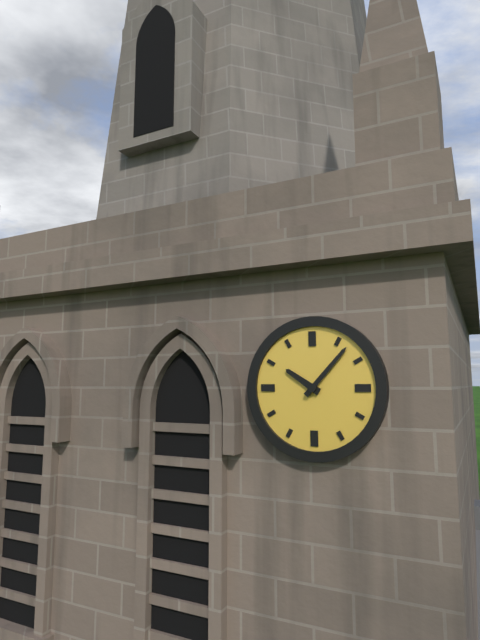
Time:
10:07
